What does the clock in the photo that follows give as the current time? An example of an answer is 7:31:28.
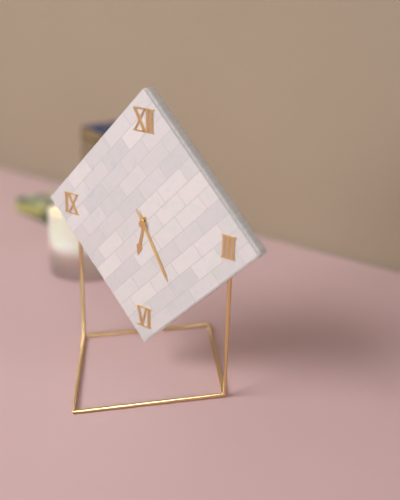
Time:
6:25:25
